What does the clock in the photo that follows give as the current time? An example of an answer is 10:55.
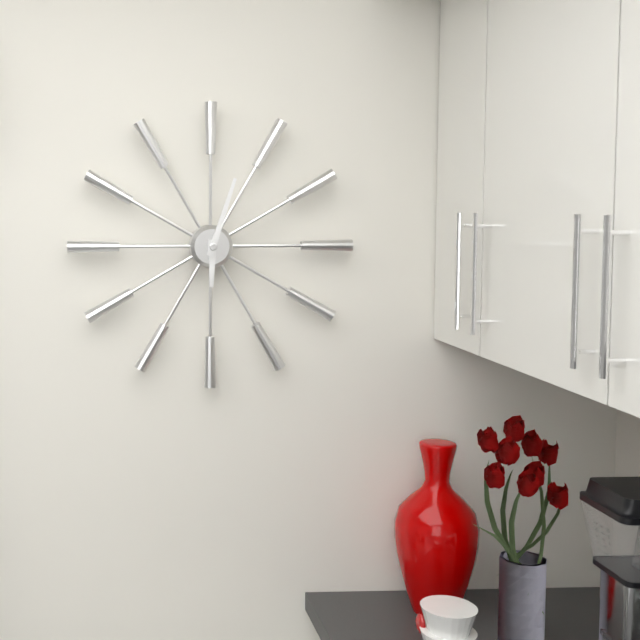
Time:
6:03
